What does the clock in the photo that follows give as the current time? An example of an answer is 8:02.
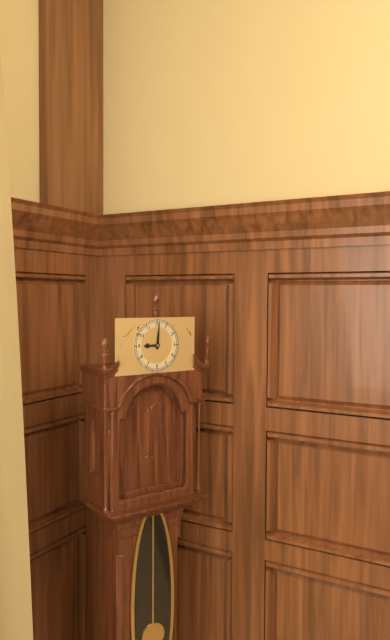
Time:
9:01
